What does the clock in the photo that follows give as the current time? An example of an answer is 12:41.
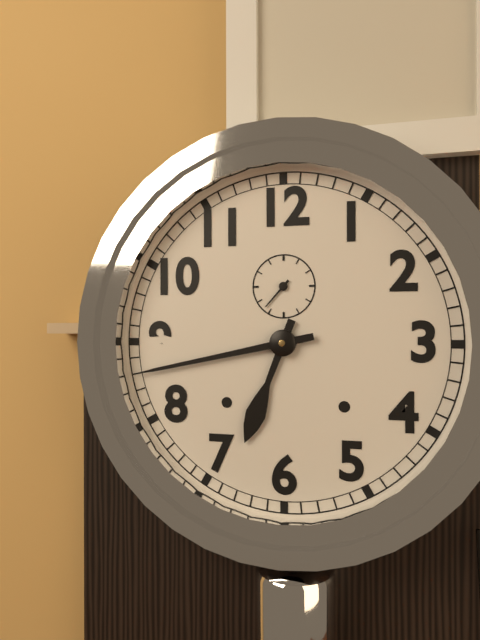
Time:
6:43
